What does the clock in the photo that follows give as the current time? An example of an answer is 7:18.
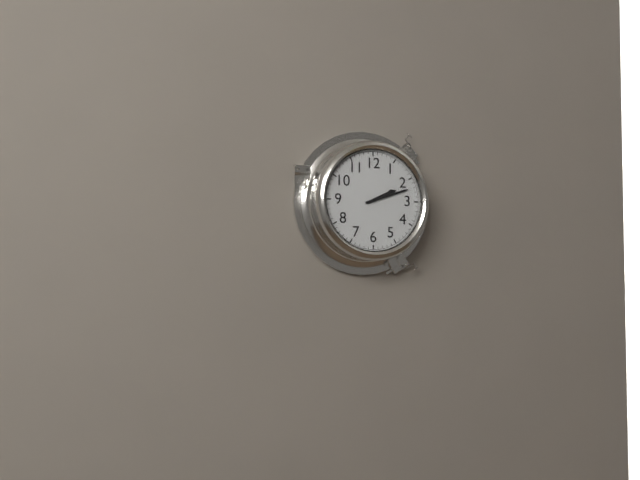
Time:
2:12
